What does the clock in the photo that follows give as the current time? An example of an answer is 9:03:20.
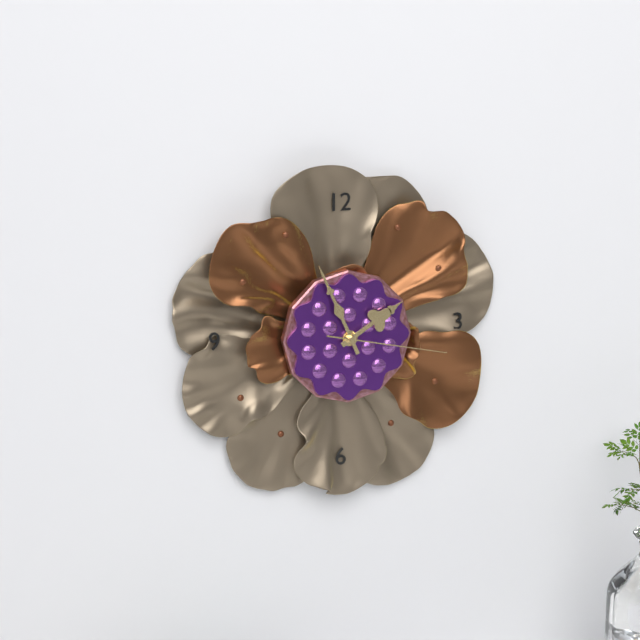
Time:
1:56:17
